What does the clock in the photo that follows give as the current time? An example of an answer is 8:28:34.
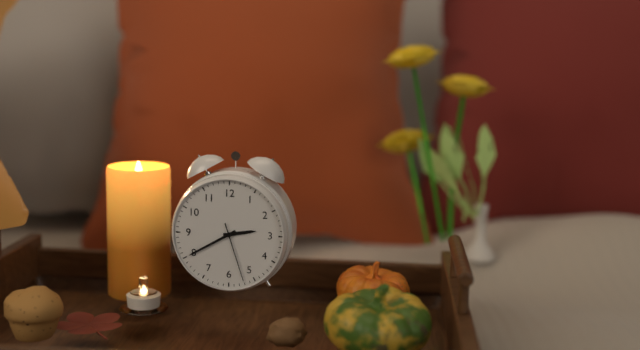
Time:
2:40:27
